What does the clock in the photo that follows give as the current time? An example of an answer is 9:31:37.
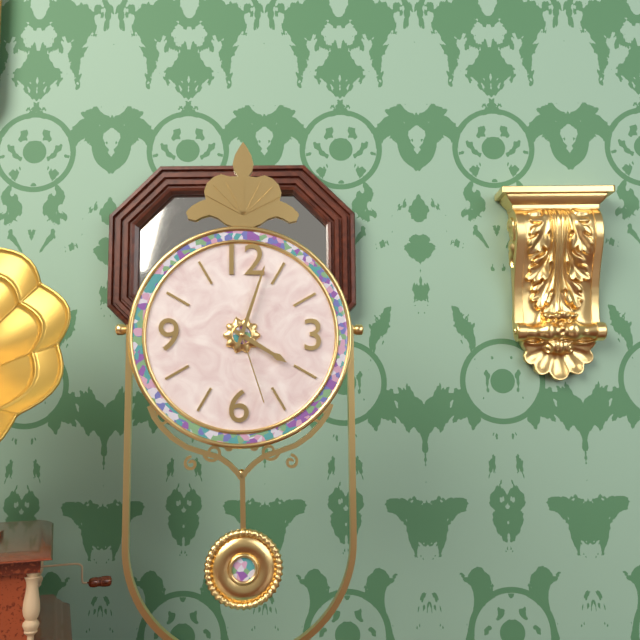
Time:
4:03:27
